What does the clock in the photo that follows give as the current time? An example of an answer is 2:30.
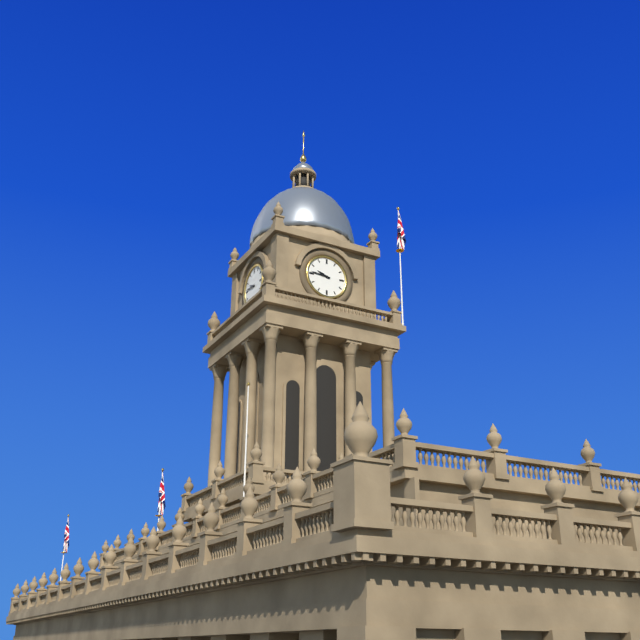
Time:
9:46
